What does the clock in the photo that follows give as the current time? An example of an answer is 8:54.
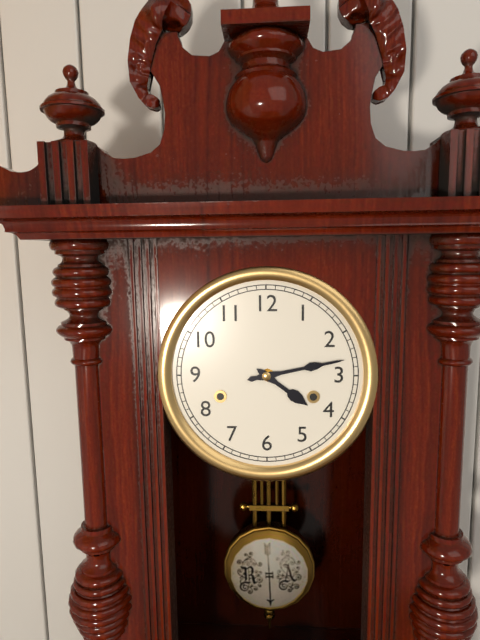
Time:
4:13
